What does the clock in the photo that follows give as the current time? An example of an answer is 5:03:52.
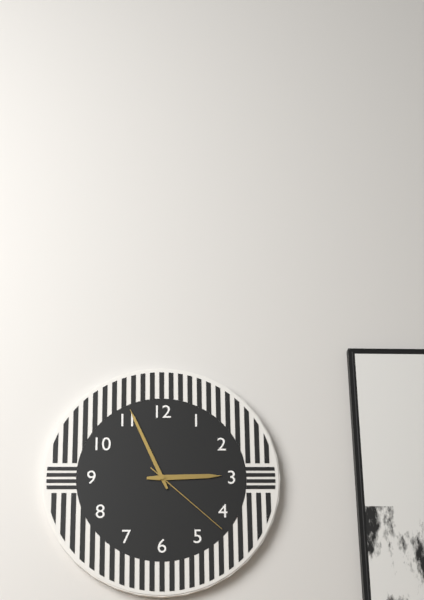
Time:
2:56:22
